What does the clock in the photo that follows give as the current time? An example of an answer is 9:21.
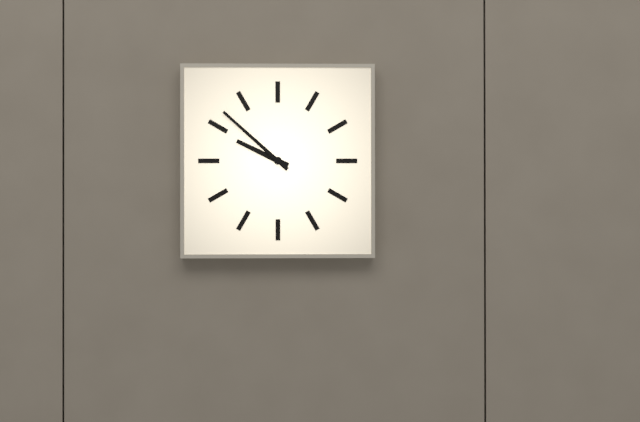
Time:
9:52
